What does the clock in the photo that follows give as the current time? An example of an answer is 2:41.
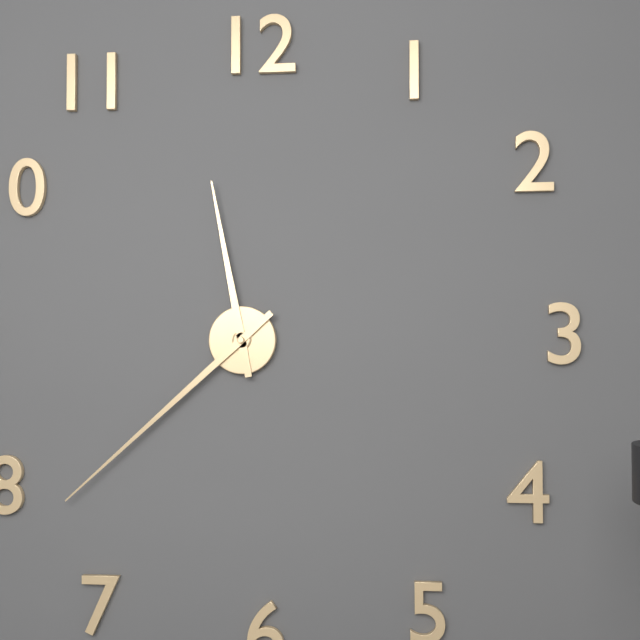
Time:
11:38
